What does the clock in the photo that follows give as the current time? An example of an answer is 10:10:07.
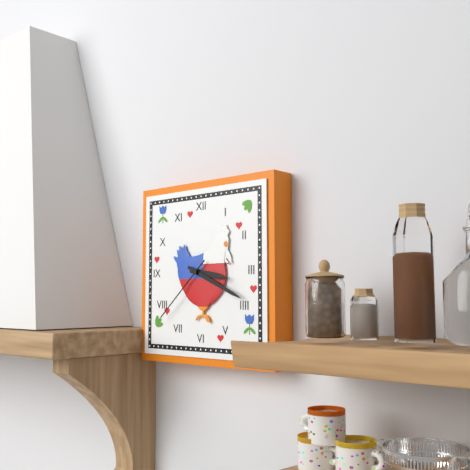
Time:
3:19:38
